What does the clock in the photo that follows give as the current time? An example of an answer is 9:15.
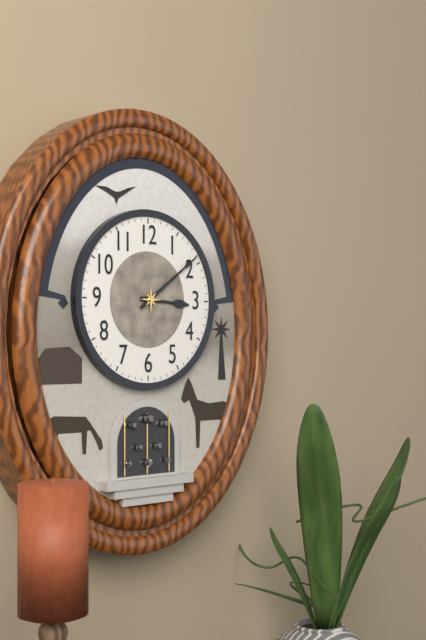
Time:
3:09
